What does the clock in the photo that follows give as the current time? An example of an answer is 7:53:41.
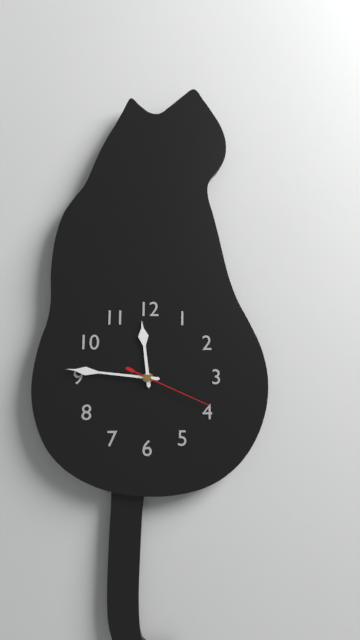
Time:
11:46:19
